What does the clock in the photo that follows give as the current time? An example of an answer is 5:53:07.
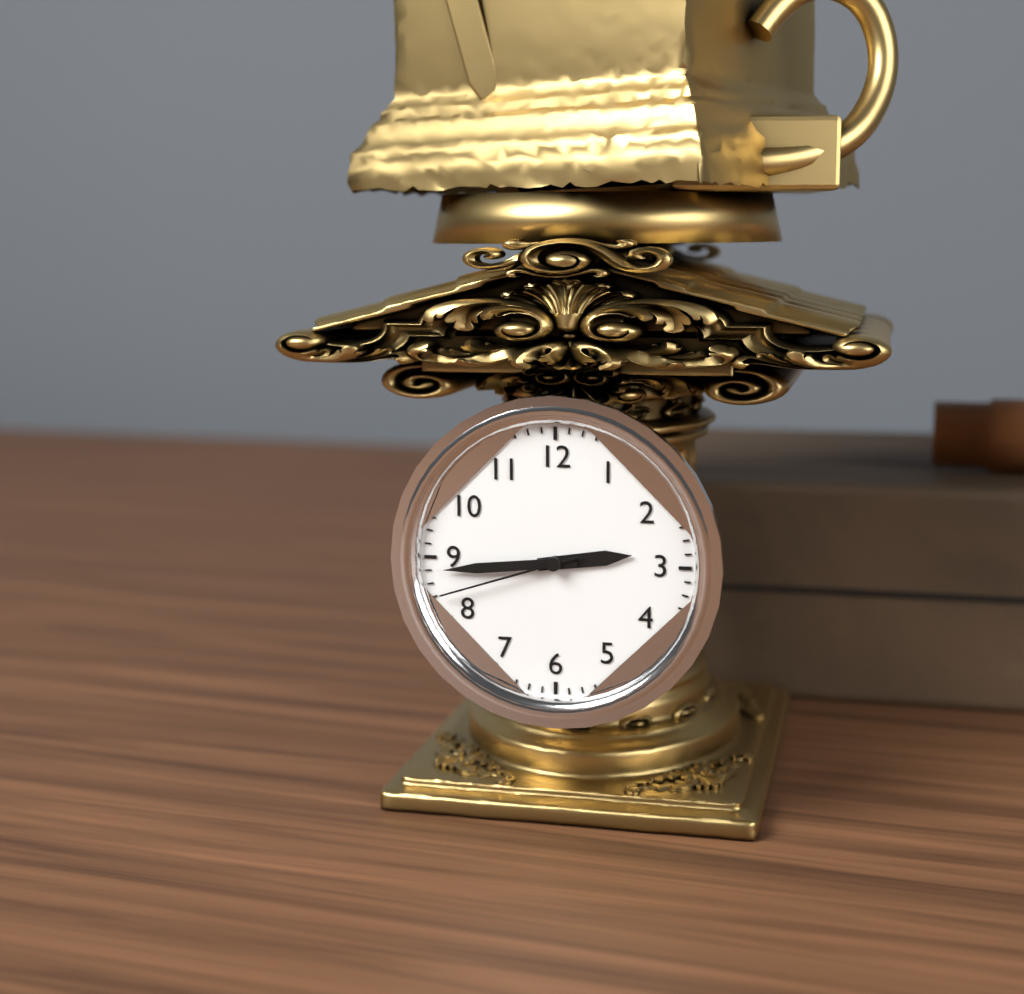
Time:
2:44:42
